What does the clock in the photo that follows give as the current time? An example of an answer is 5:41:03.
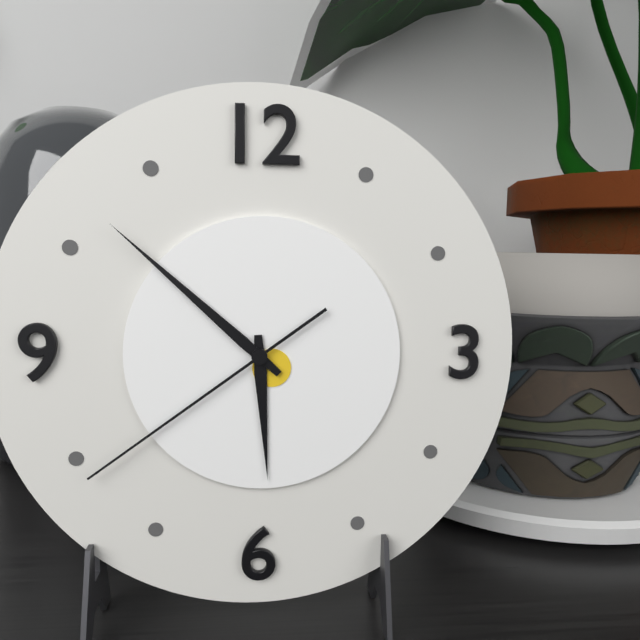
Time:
5:52:39
